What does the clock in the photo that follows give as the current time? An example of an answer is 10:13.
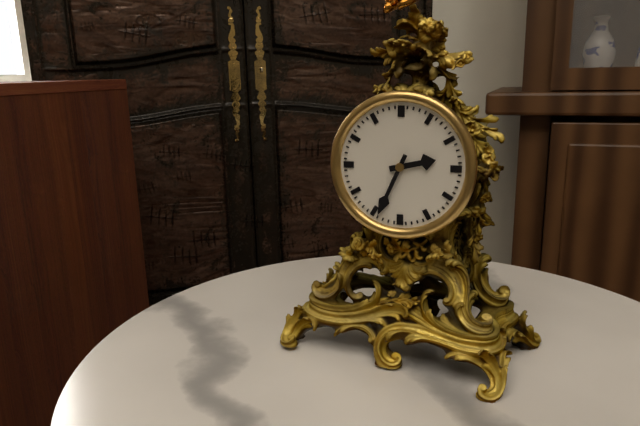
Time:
2:34
